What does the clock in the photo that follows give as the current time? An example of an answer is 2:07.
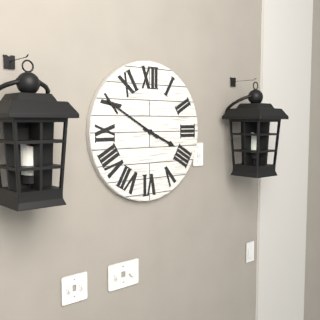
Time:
3:50
